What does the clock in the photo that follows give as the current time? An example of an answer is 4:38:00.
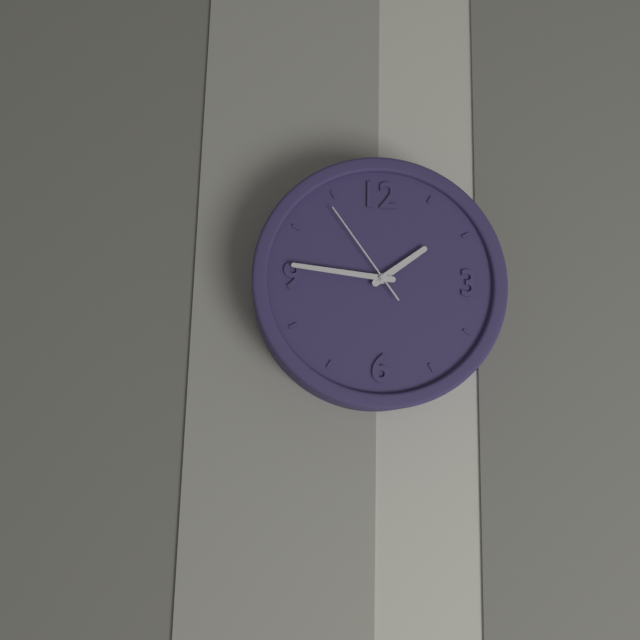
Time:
1:46:54
